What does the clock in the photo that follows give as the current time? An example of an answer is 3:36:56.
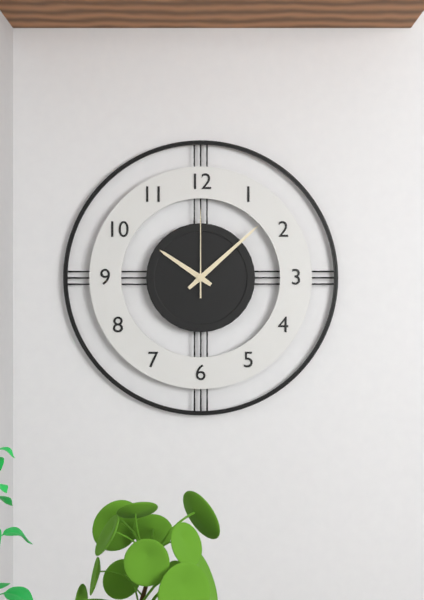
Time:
10:08:00
